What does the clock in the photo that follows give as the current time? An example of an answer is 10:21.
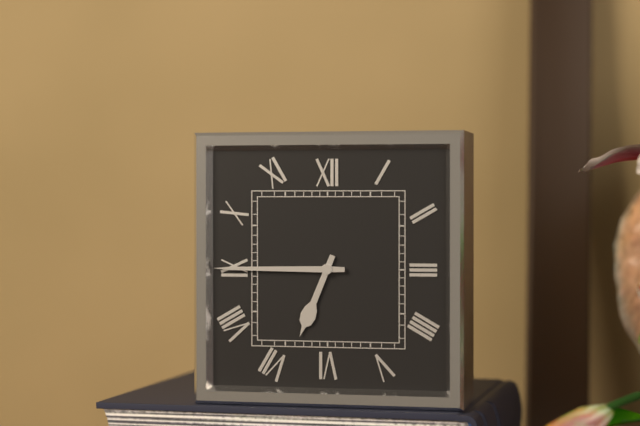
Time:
6:45
